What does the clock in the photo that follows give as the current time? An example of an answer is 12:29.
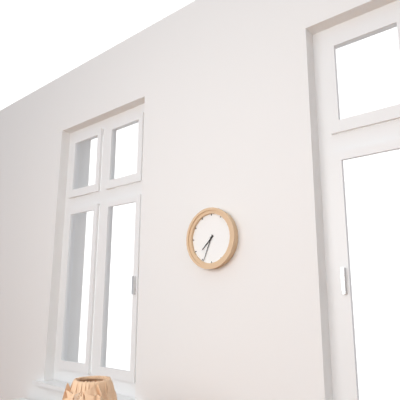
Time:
7:34
